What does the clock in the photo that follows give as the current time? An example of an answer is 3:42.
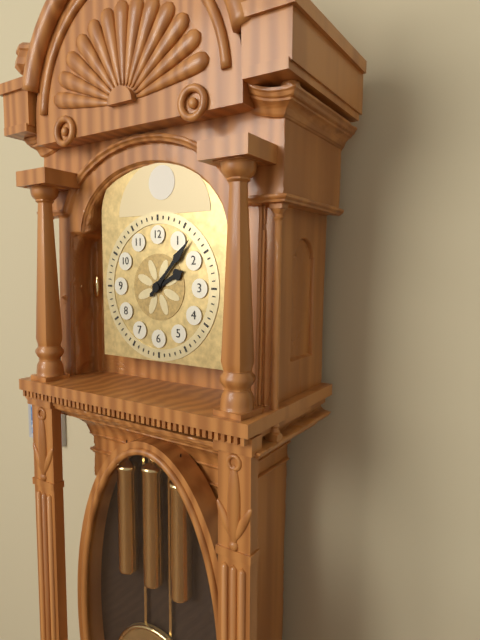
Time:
2:07
